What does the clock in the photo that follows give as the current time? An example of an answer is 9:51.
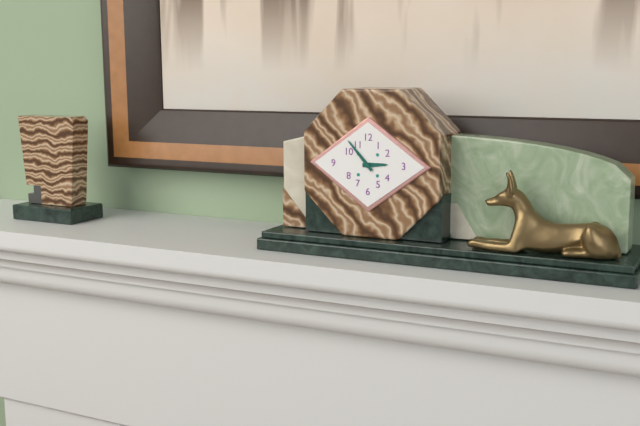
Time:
2:53
